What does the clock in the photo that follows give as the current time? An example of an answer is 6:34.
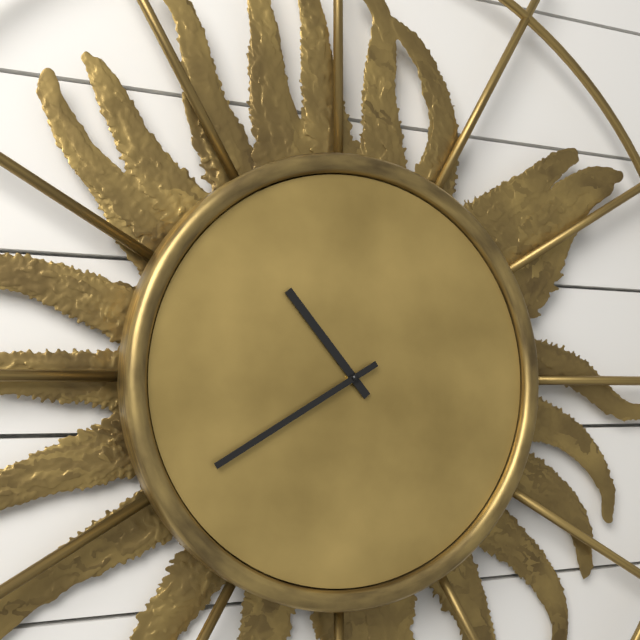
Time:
10:40
